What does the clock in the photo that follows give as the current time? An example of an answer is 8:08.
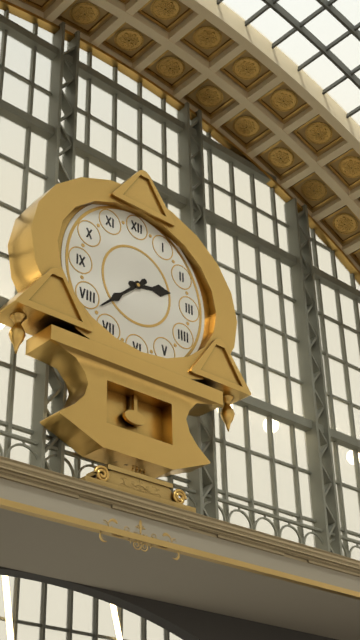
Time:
2:38
